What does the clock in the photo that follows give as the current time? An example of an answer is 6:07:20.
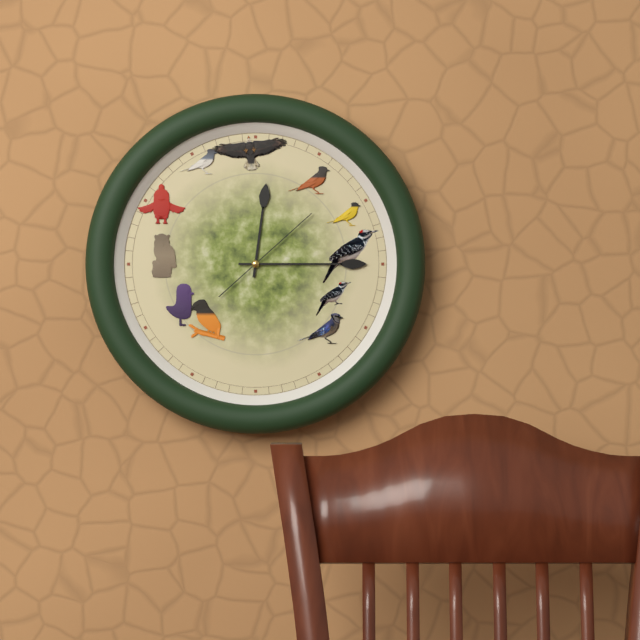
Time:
12:15:08
